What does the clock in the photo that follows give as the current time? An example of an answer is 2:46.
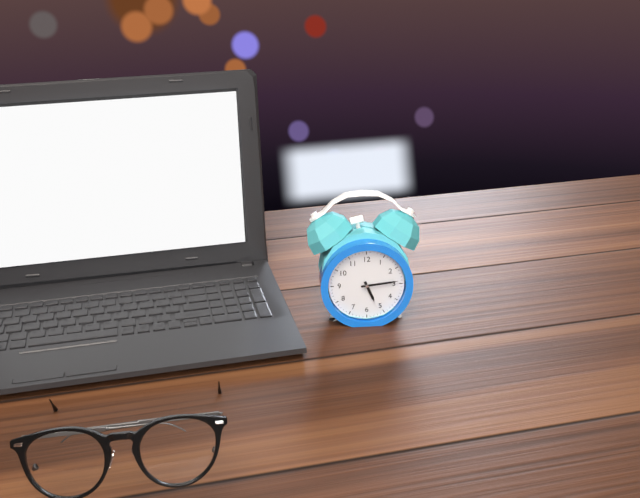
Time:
5:14
